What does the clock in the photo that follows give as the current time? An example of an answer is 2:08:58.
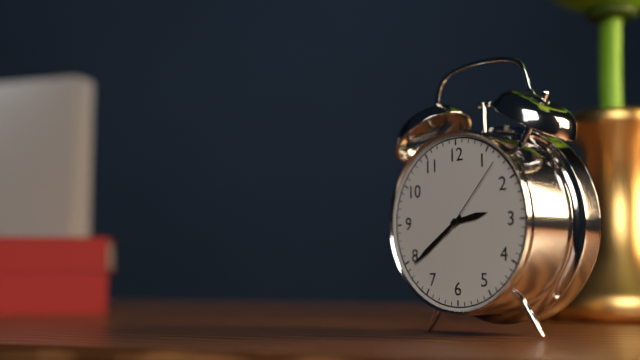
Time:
2:39:07
